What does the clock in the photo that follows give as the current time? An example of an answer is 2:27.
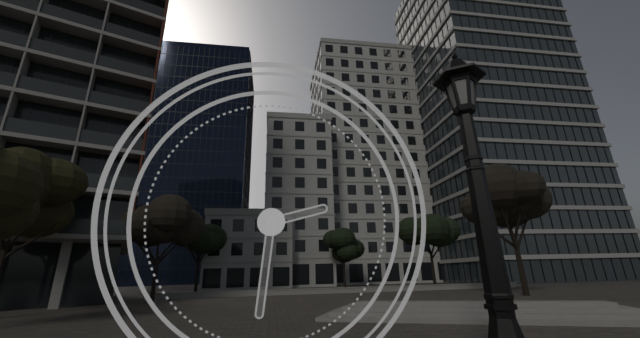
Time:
2:31
